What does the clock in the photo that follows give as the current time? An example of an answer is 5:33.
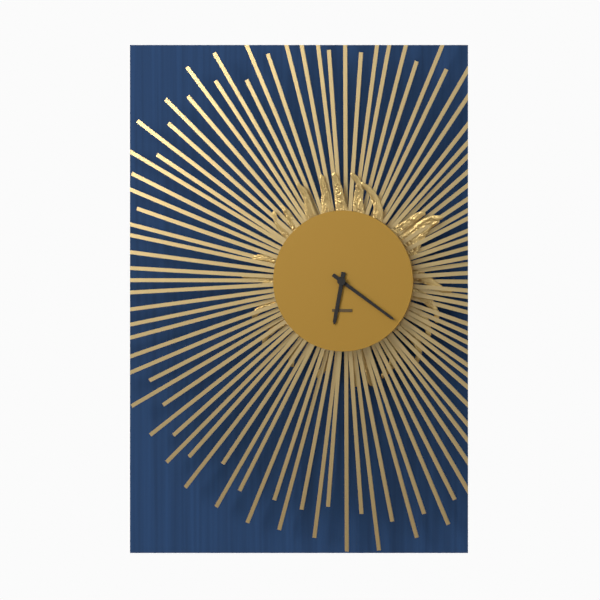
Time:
6:21
